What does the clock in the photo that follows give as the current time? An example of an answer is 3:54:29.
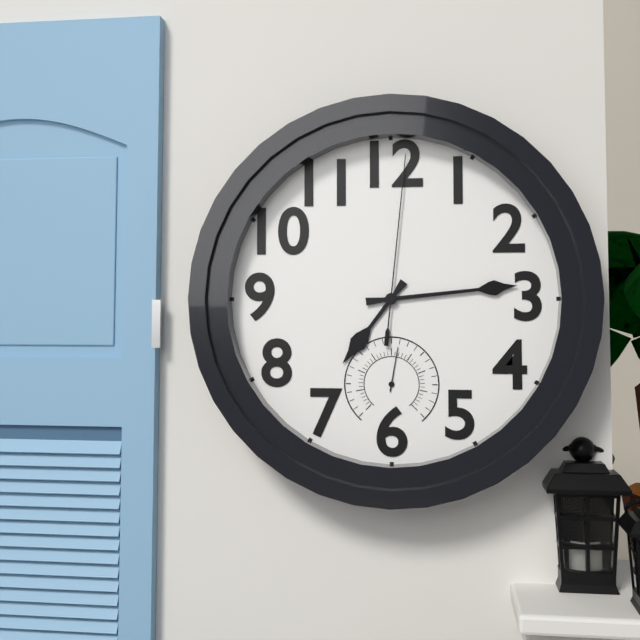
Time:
7:14:01
